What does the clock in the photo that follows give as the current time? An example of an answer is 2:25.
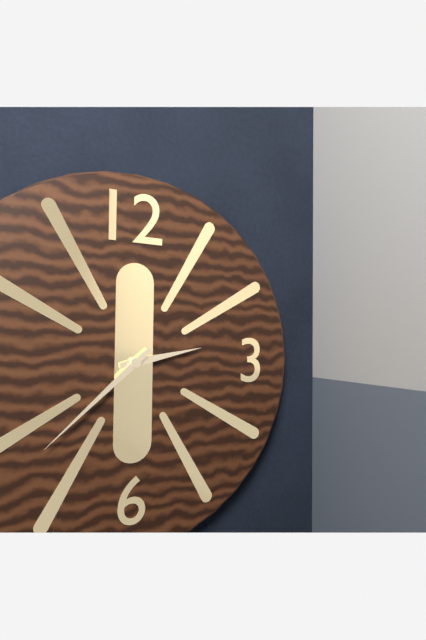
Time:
2:38
